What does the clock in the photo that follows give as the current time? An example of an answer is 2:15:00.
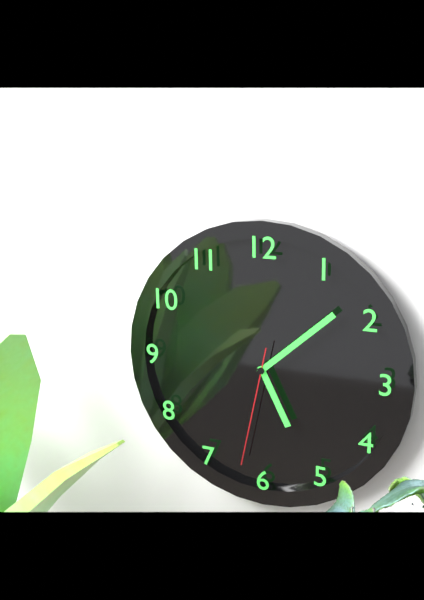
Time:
5:08:32
